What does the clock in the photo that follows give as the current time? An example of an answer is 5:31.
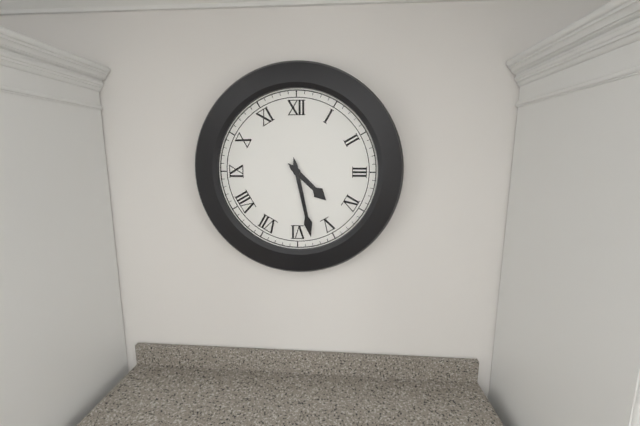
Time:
4:28
